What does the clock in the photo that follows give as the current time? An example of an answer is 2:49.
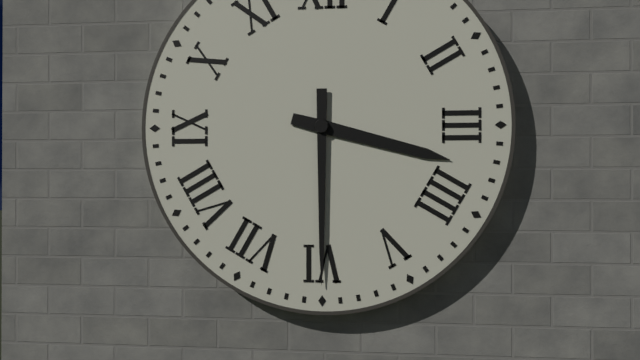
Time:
3:30
